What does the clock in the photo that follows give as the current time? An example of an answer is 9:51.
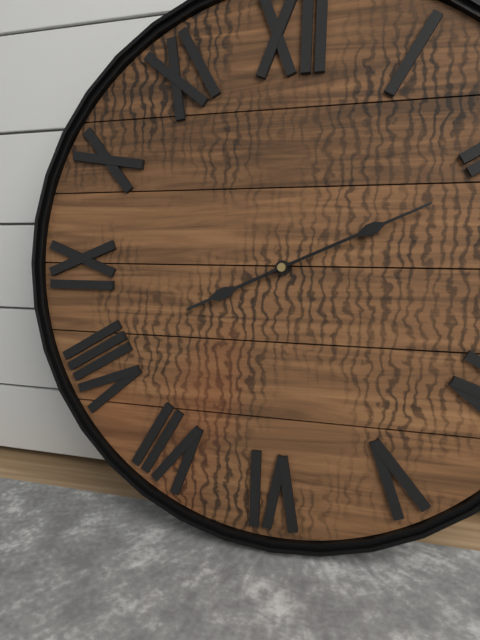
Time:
8:11
